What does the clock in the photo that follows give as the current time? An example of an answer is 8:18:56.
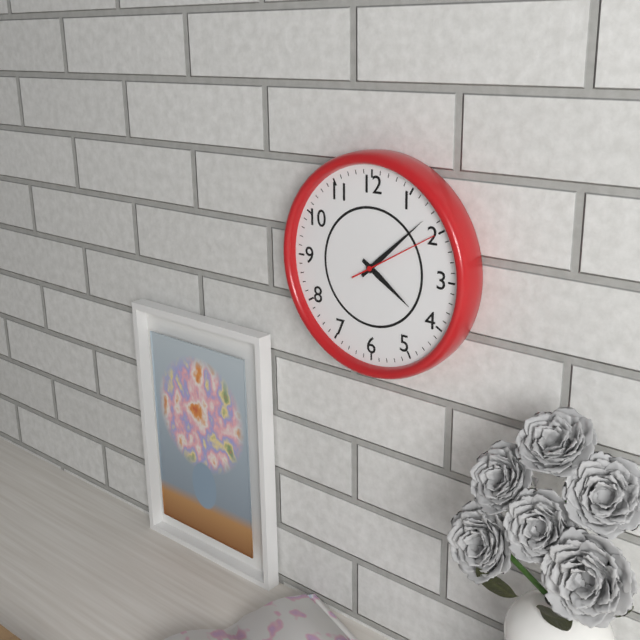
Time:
4:08:10
